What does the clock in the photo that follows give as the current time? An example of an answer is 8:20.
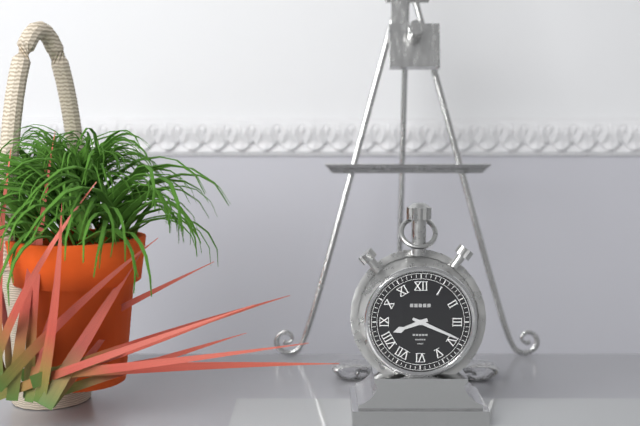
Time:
8:19
